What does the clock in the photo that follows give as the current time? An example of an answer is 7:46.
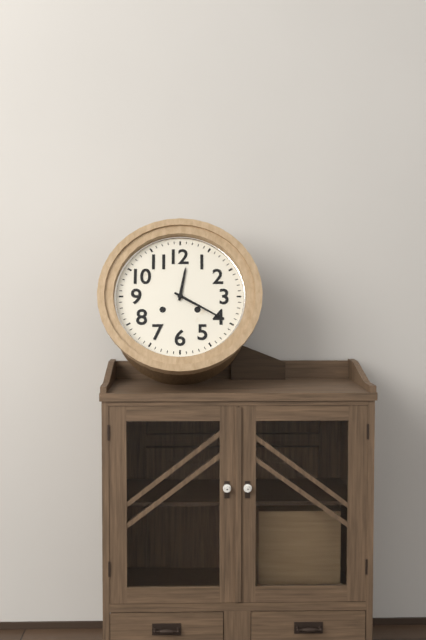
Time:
12:20
